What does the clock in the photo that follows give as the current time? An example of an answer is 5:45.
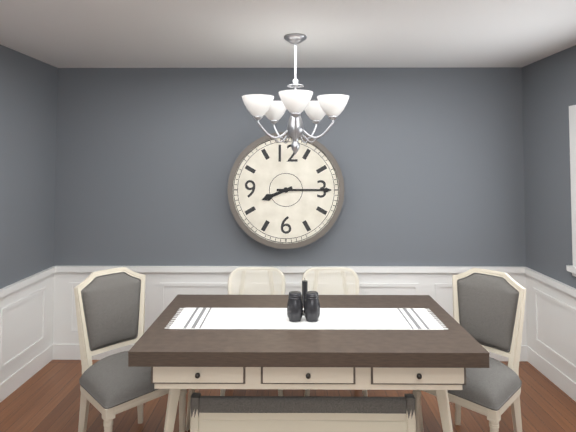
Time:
8:15
